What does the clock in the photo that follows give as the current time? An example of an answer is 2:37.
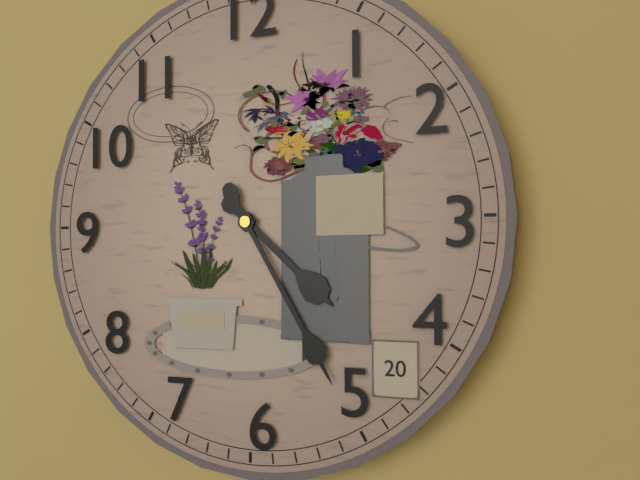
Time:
4:25
